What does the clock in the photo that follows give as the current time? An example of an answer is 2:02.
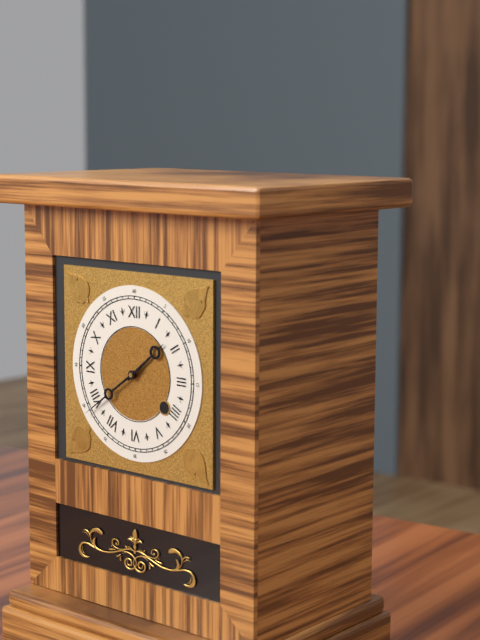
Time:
1:39
